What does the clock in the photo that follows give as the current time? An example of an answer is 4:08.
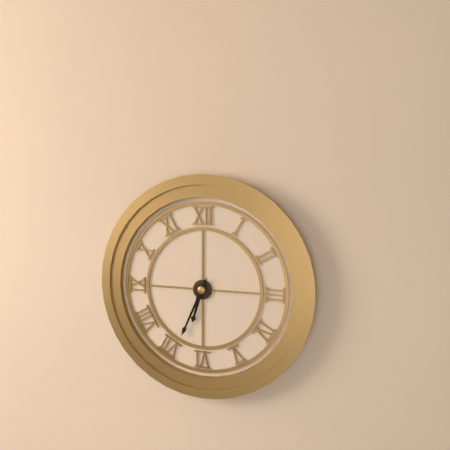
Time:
6:34
